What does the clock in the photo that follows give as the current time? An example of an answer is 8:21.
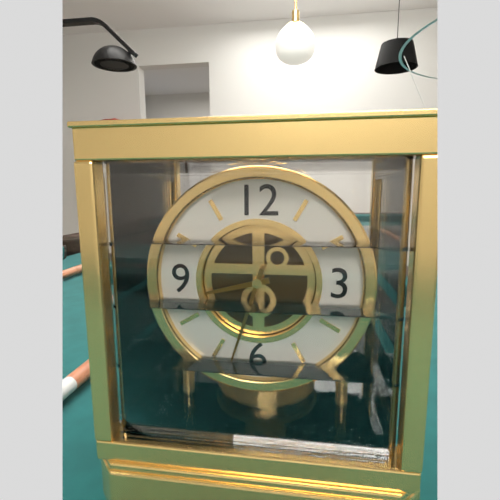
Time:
8:33
